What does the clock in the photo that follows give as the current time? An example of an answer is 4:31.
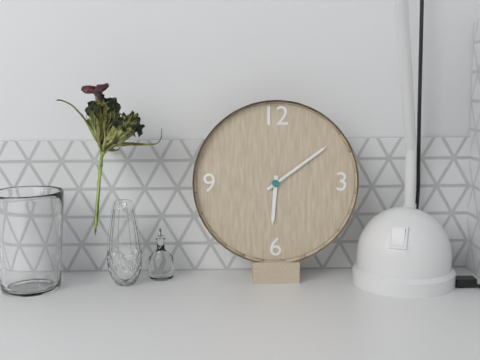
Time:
6:09
